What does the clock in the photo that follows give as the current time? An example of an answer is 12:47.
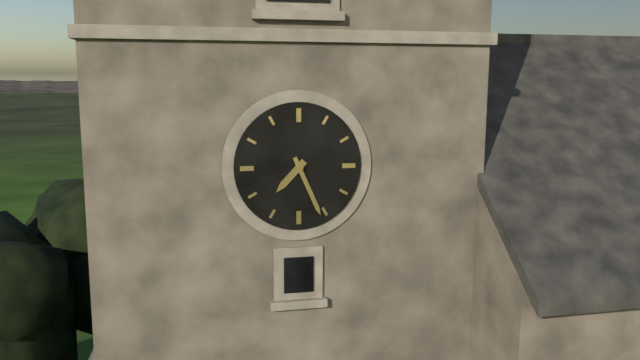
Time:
7:26
